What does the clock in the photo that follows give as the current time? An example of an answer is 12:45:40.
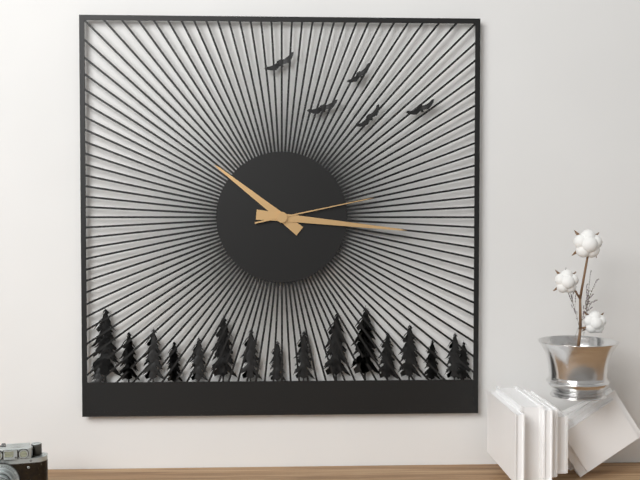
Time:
10:16:13
